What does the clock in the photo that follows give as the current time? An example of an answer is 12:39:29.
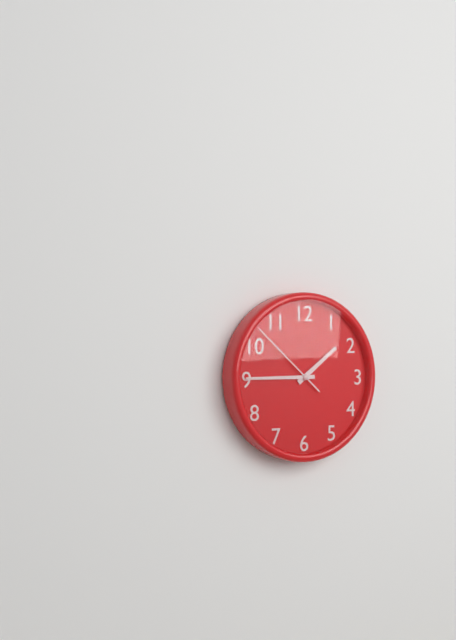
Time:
1:45:52
